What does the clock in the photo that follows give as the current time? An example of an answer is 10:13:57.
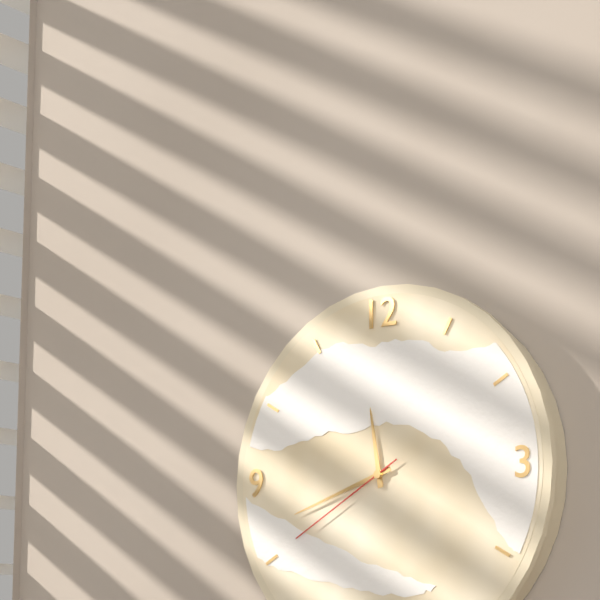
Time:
11:42:40
